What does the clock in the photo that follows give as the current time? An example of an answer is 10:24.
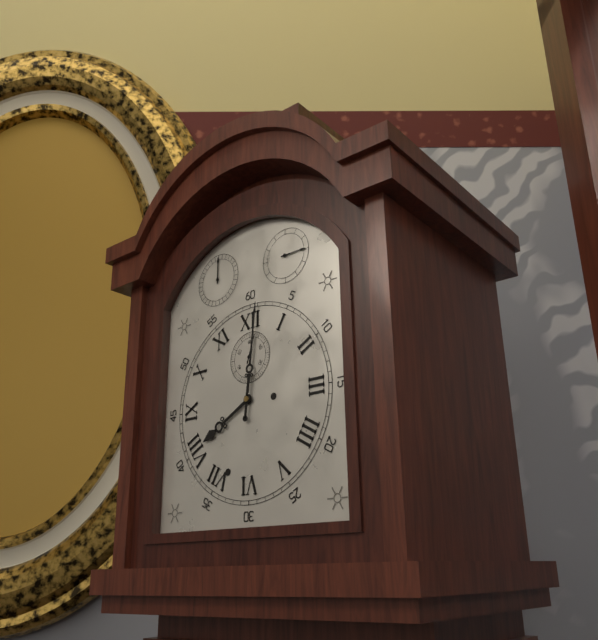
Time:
8:01
